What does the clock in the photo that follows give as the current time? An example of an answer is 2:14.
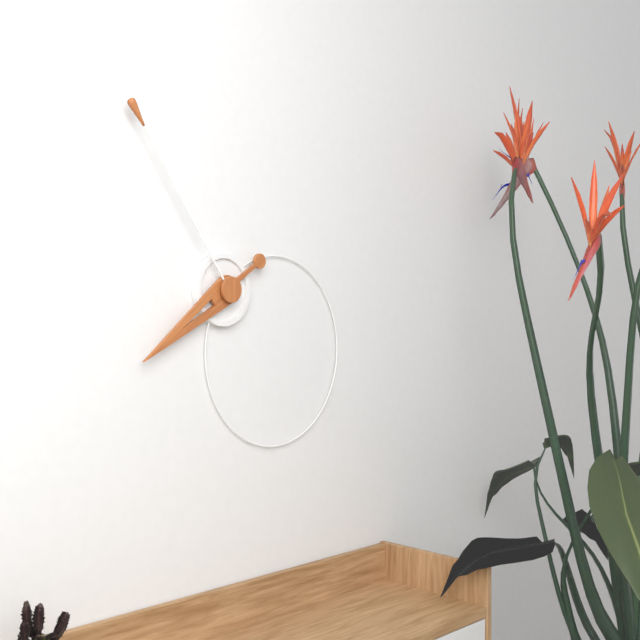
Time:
7:54
